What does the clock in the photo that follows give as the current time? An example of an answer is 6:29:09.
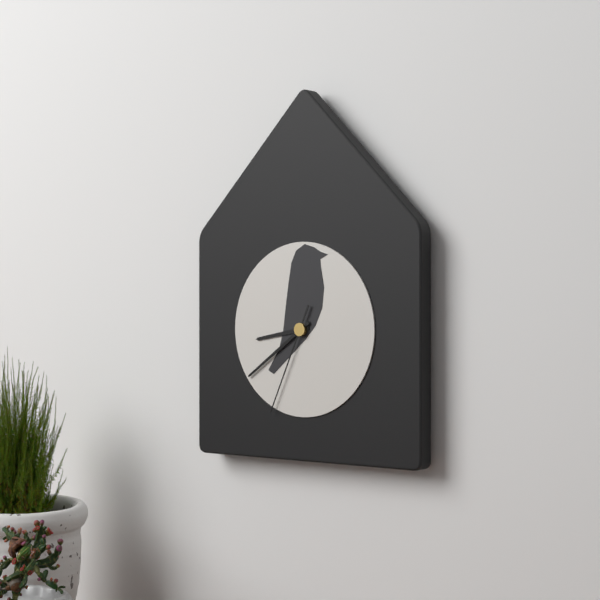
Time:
8:39:34
